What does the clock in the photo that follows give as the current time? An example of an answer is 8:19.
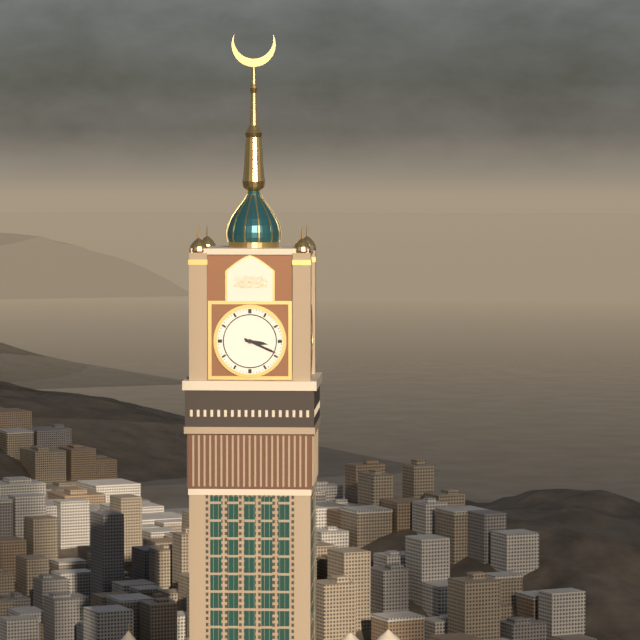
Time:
3:19
